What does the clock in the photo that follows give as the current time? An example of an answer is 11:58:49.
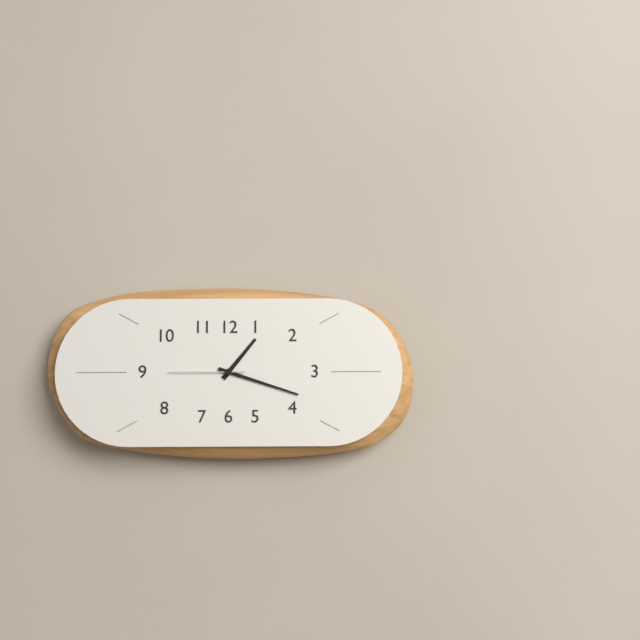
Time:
1:18:45
